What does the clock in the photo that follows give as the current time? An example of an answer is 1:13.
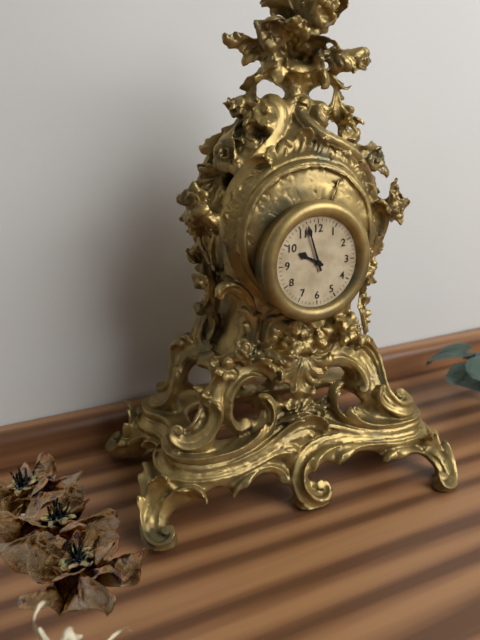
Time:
9:57
